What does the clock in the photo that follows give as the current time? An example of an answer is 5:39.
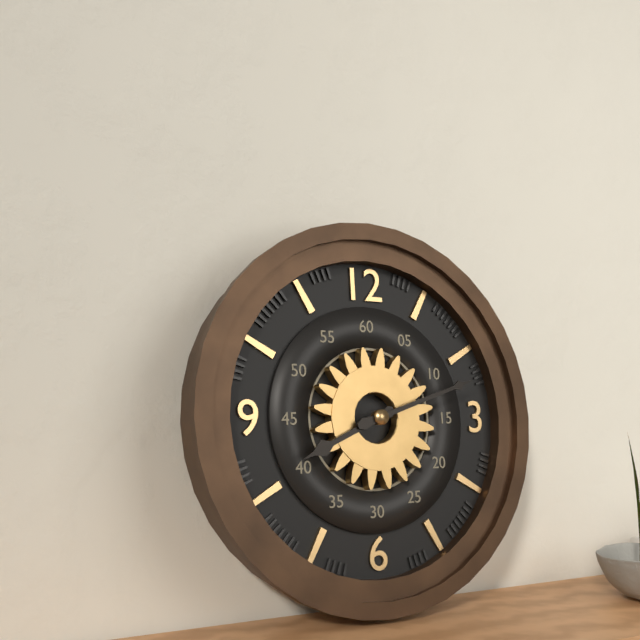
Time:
8:12
